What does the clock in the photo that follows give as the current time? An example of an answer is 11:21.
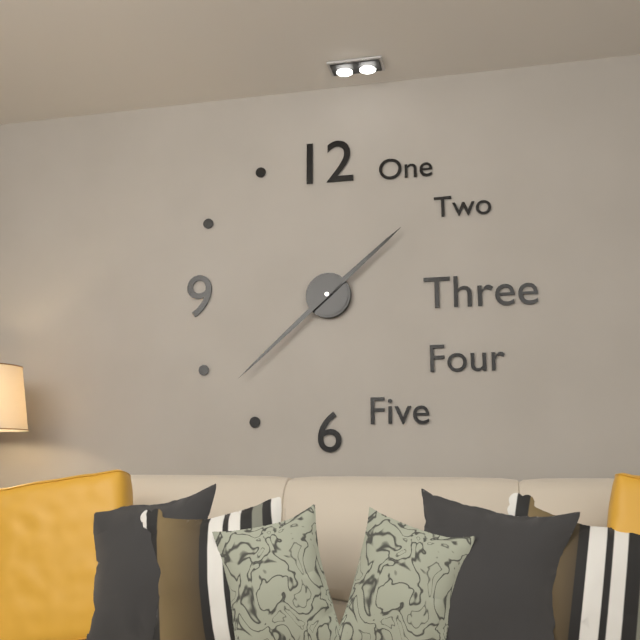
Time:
1:38
